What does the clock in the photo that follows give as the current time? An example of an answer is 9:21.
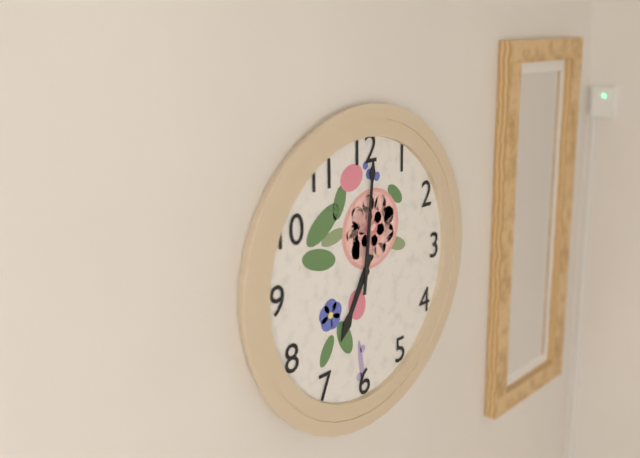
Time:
7:01
